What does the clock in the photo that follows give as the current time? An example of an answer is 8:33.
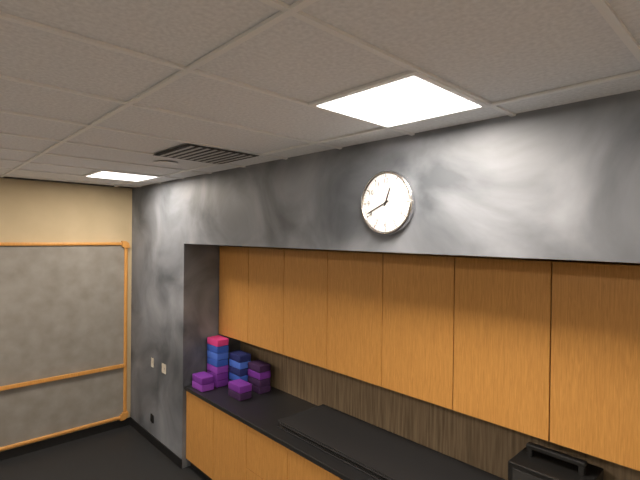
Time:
12:41
